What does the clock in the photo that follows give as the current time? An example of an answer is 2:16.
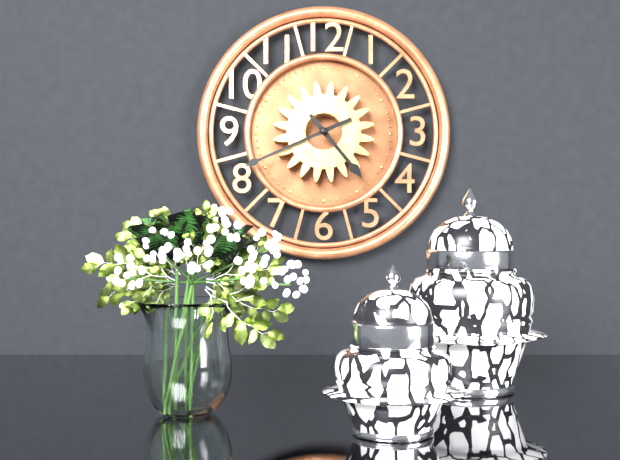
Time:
4:41
